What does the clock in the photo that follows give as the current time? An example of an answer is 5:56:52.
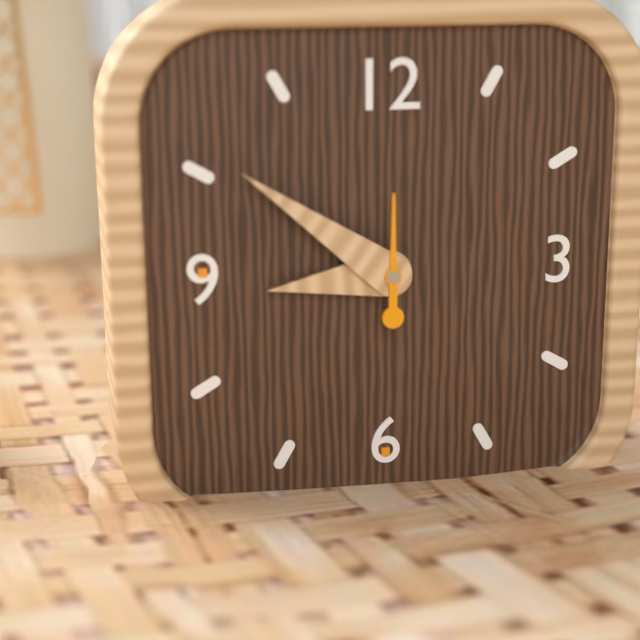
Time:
8:51:00
